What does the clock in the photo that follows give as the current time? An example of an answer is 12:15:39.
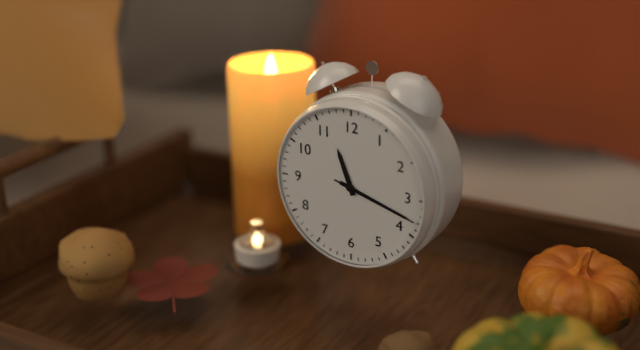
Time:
11:18:18
